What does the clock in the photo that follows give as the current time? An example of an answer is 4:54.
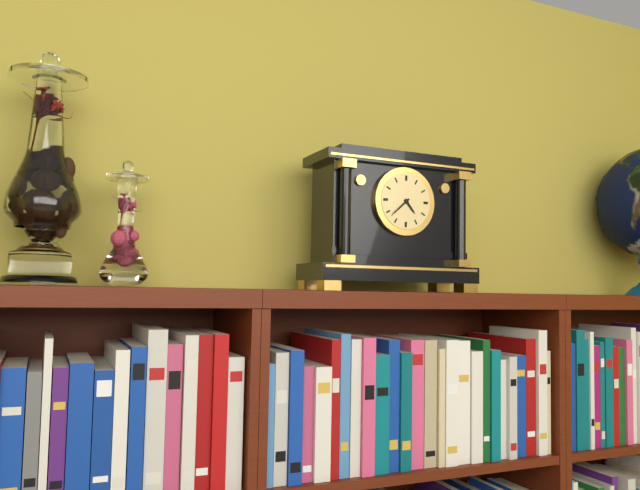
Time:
4:38
